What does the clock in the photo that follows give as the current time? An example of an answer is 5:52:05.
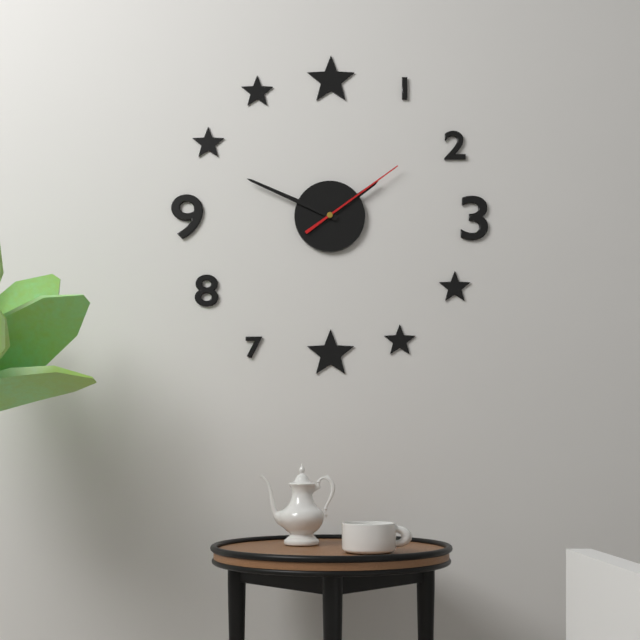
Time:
1:49:09
